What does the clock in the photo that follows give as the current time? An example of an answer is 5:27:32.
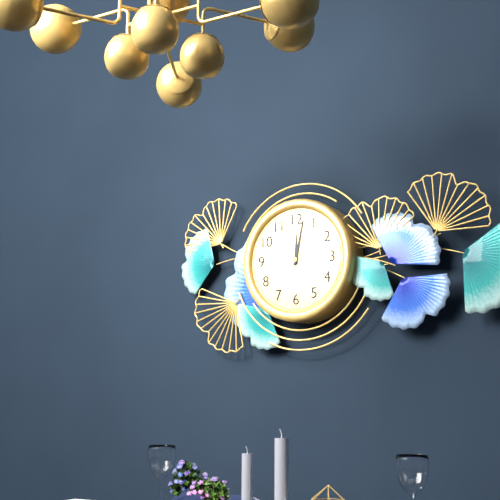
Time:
12:02:22
